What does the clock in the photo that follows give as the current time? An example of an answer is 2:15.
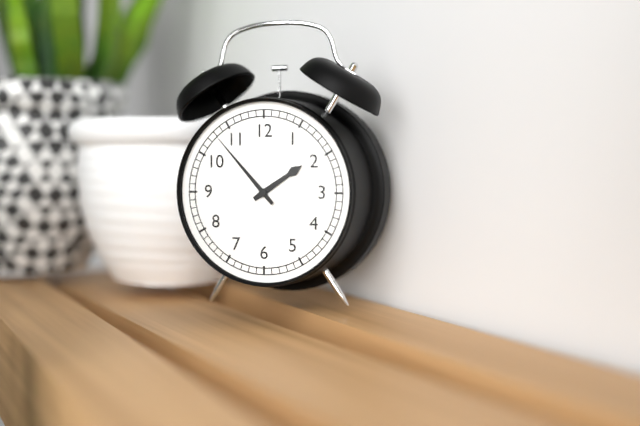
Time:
1:53
